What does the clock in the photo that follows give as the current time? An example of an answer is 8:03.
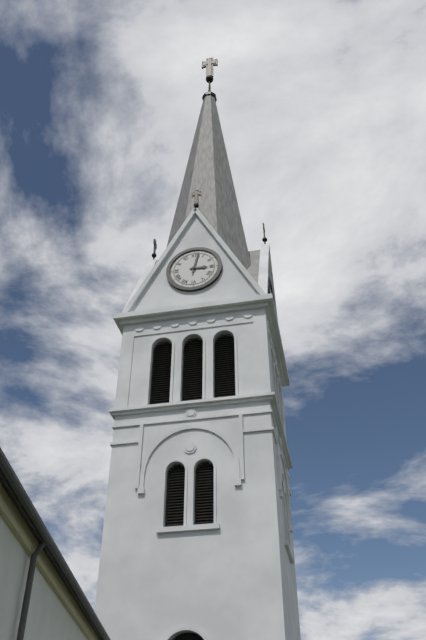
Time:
3:02
